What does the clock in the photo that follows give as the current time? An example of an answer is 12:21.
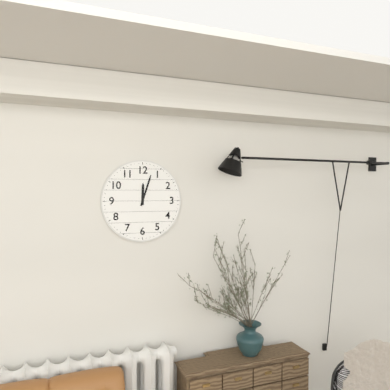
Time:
12:03
